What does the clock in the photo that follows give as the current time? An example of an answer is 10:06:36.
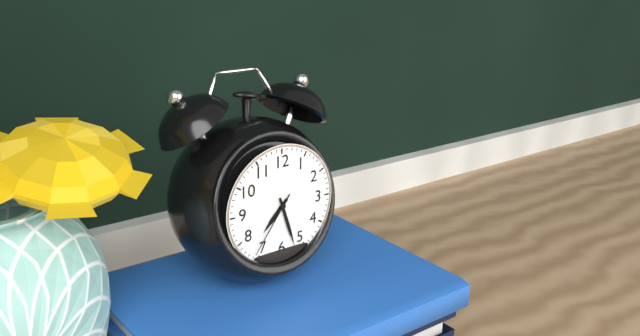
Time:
7:27:36
